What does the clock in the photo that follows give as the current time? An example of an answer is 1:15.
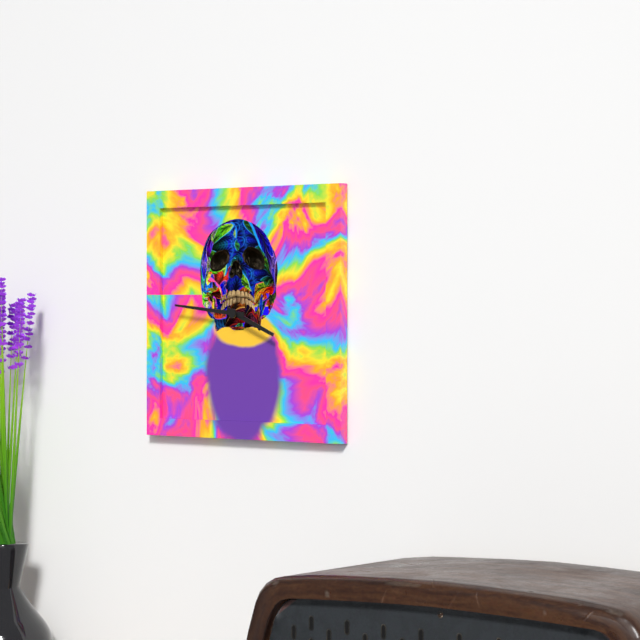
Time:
3:46
